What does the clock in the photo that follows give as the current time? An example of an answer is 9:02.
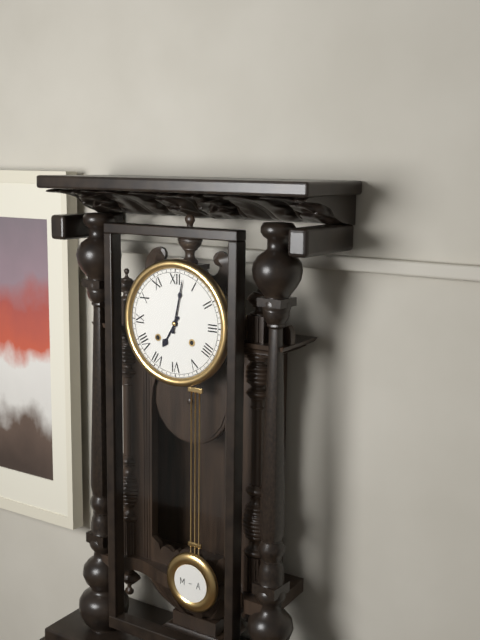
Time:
7:02
